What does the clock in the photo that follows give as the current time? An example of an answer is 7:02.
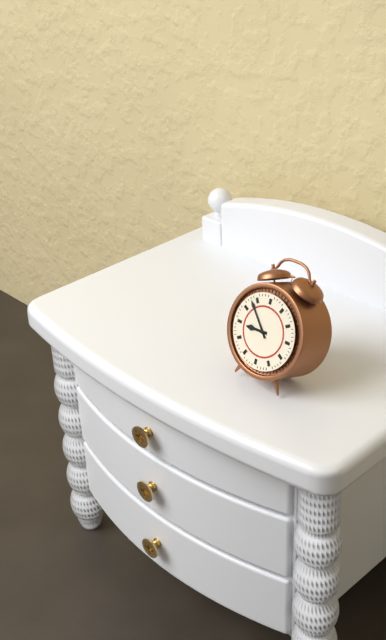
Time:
8:53
